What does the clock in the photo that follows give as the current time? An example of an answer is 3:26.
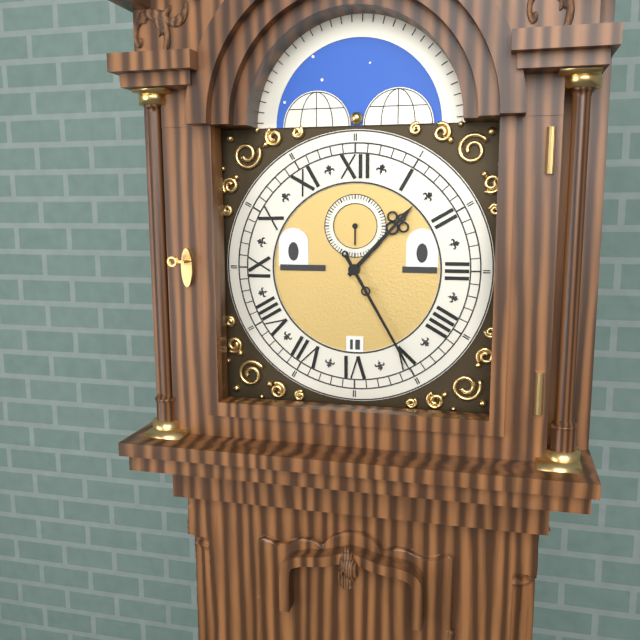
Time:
1:25
